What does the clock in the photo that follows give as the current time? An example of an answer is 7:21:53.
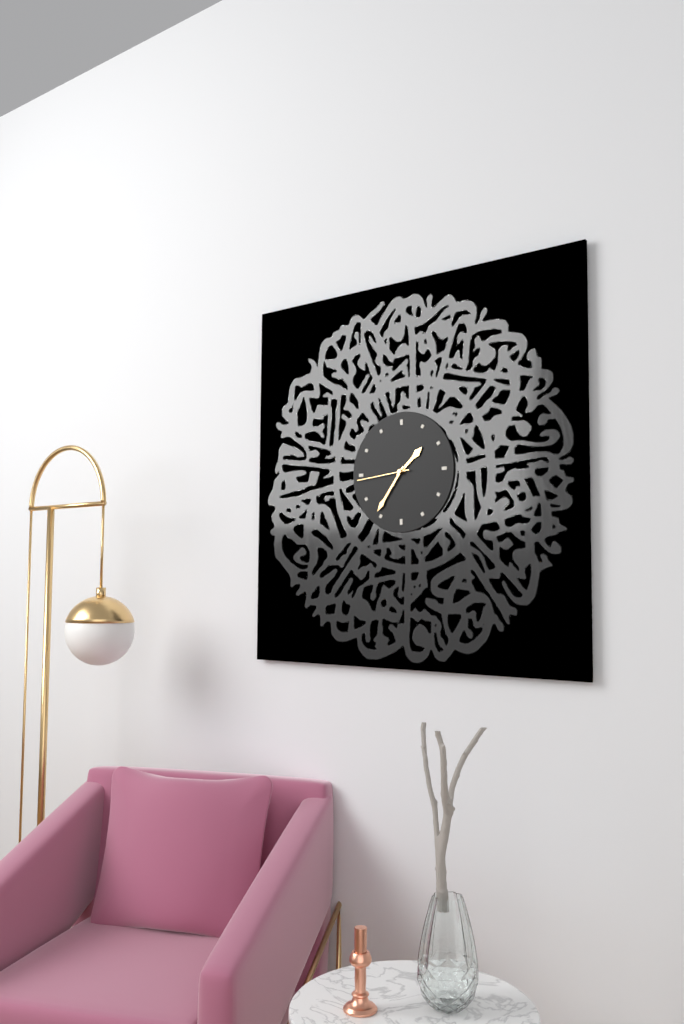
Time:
1:36:44
